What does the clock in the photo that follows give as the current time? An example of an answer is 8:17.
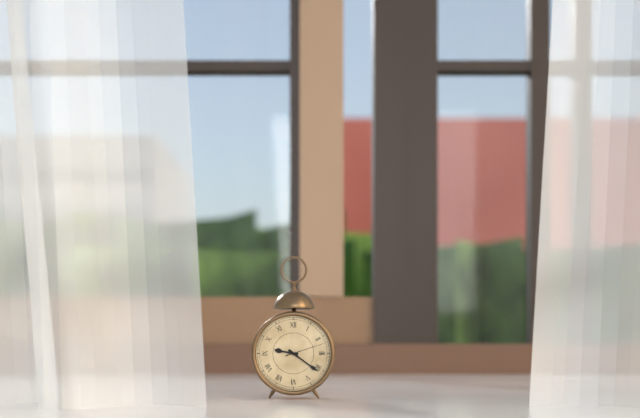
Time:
9:21
